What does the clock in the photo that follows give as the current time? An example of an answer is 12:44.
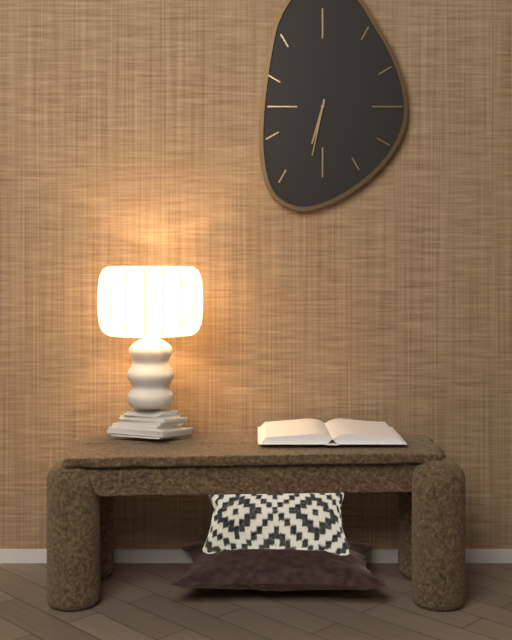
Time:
6:32
